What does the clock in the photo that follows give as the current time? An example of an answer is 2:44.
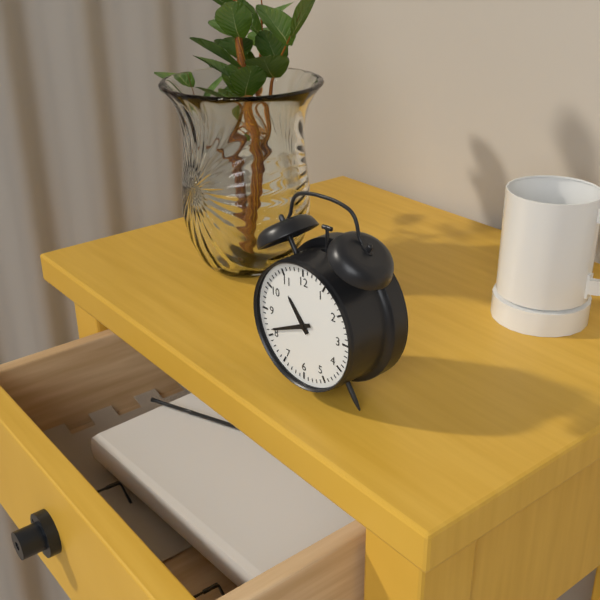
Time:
10:41
